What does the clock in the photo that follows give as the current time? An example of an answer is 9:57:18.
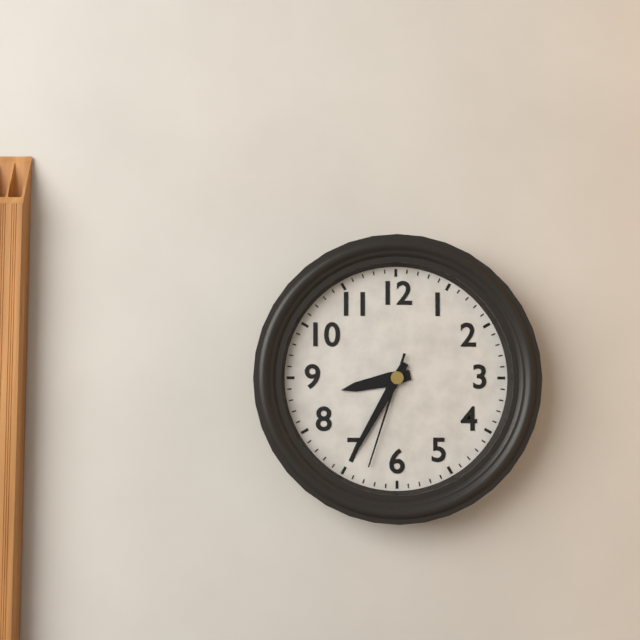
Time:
8:35:33
